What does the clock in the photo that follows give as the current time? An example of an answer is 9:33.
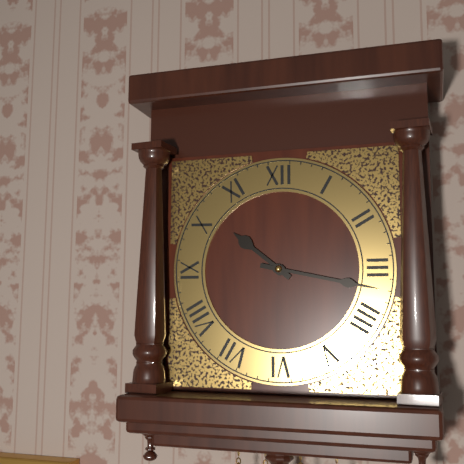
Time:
10:17
